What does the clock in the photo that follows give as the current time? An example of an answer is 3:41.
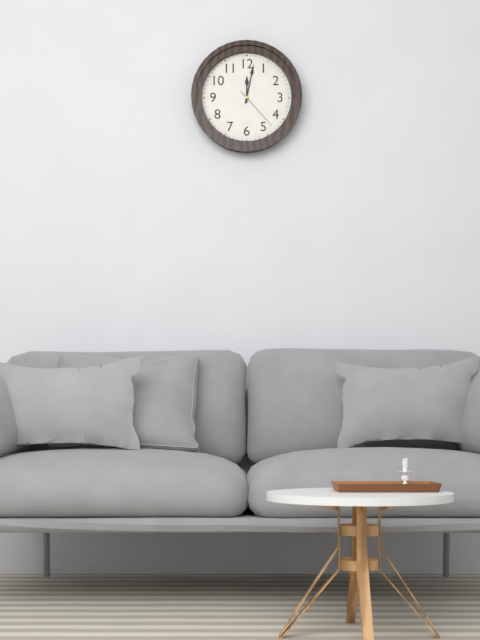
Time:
12:02
